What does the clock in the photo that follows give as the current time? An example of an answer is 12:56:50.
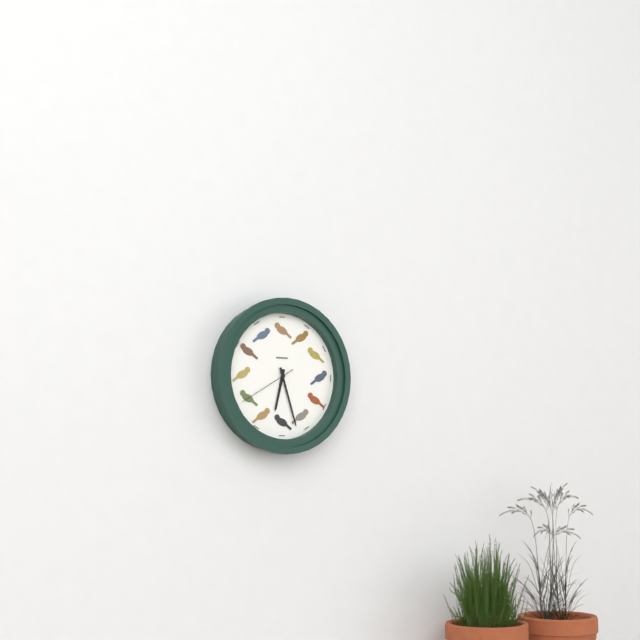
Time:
6:27:40
